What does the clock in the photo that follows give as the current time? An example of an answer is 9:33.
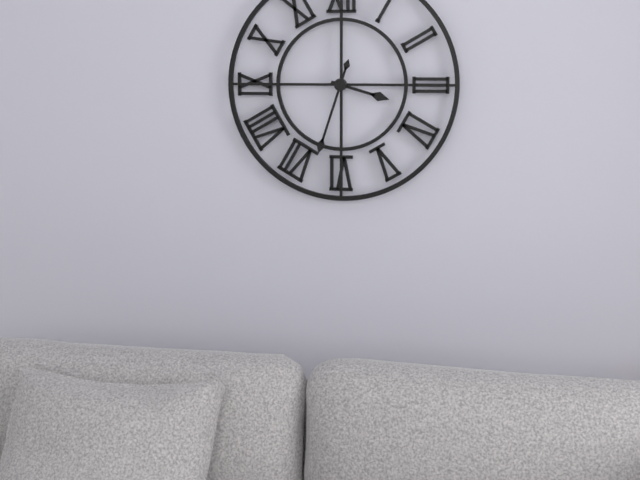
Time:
3:33
